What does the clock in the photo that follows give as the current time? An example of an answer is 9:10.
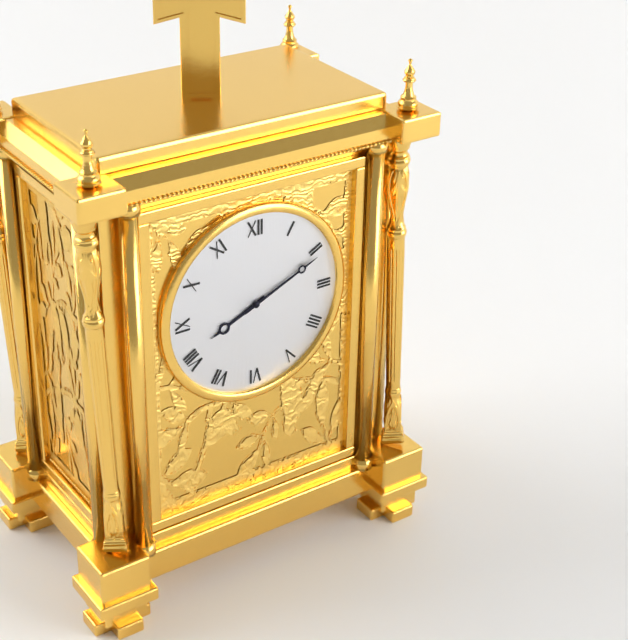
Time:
8:11
